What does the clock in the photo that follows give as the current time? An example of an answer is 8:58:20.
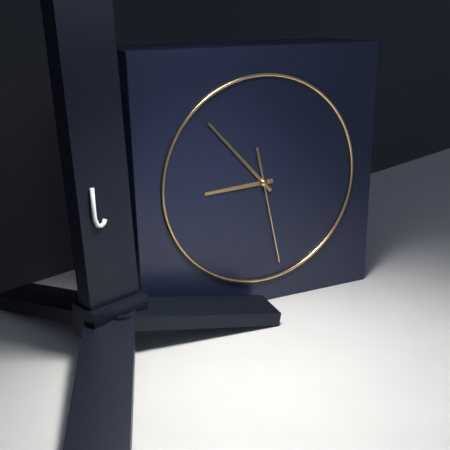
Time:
8:53:28
